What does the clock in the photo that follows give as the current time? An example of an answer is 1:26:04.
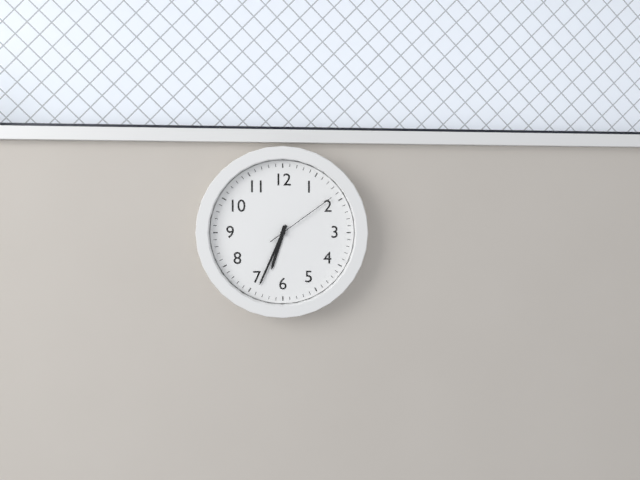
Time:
6:34:09
